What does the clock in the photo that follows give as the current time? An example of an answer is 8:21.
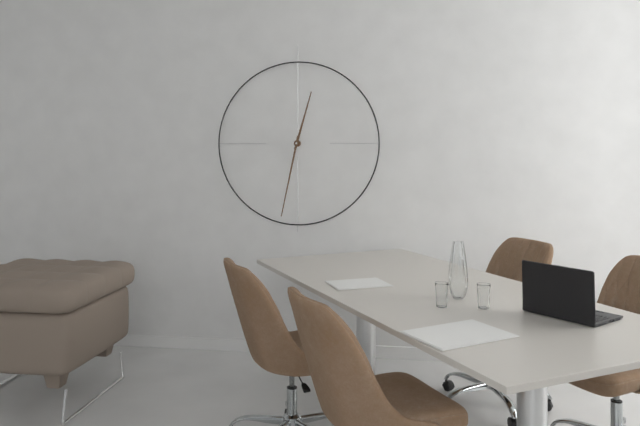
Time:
12:32
